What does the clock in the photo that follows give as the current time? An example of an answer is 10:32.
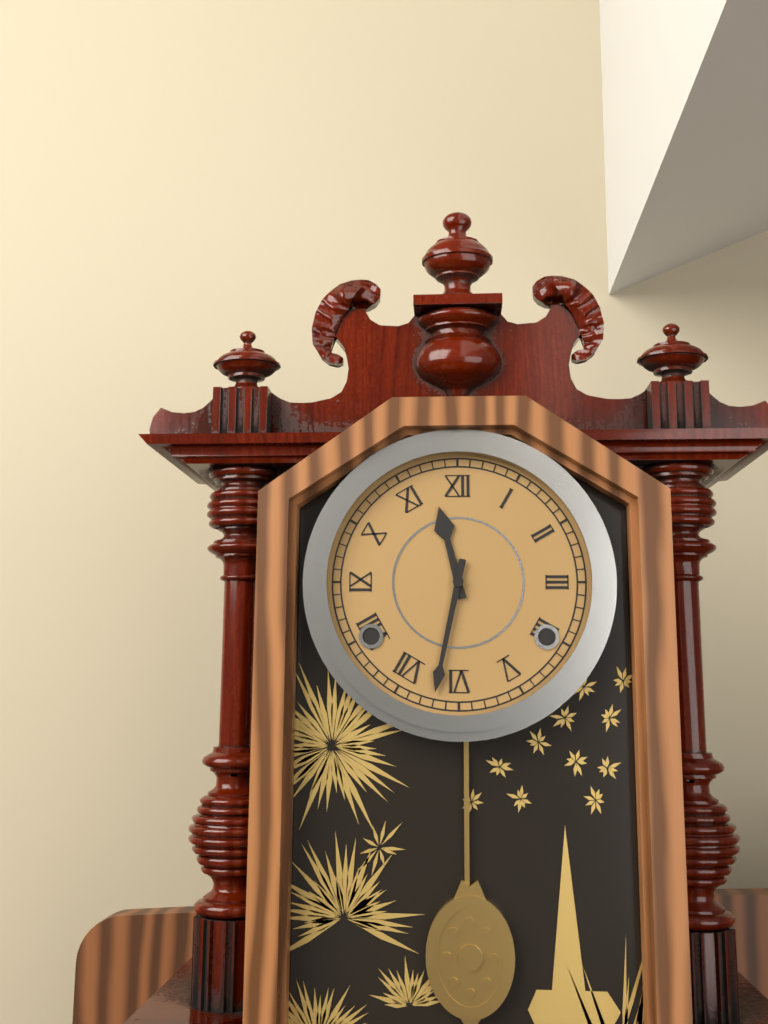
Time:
11:32
